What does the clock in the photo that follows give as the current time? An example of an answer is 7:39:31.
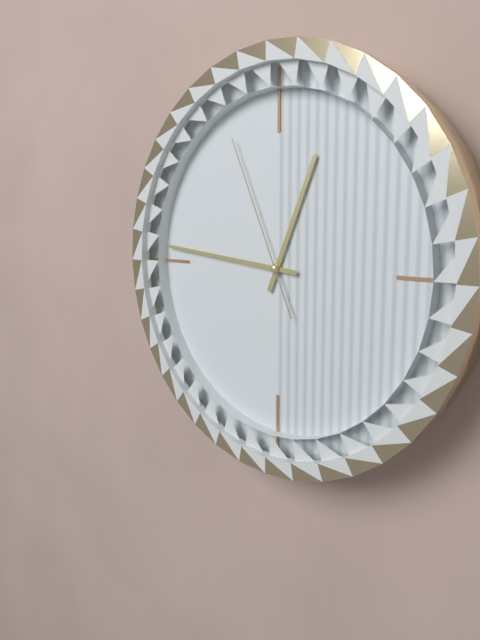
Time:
12:46:56
